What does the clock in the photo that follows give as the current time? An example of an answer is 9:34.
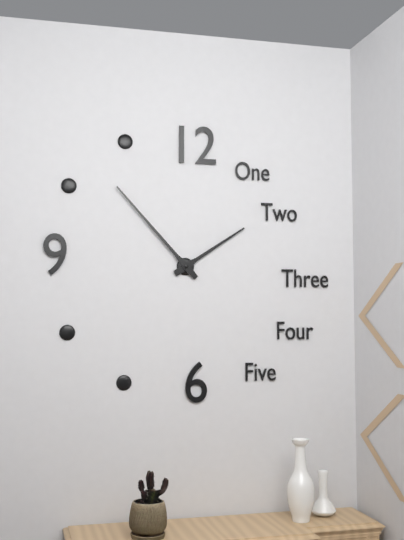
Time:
1:53
